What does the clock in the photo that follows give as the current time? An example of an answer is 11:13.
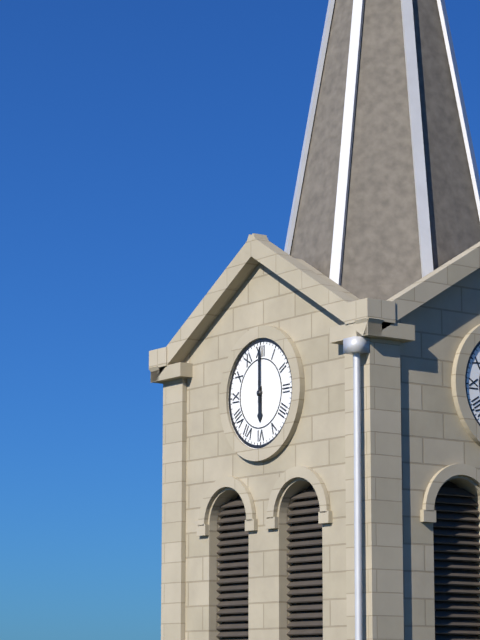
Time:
6:00
